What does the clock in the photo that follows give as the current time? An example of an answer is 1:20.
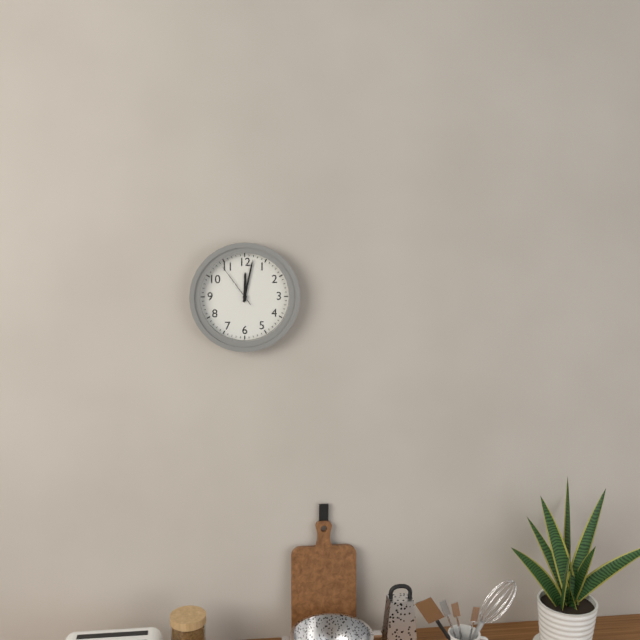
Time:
12:02
